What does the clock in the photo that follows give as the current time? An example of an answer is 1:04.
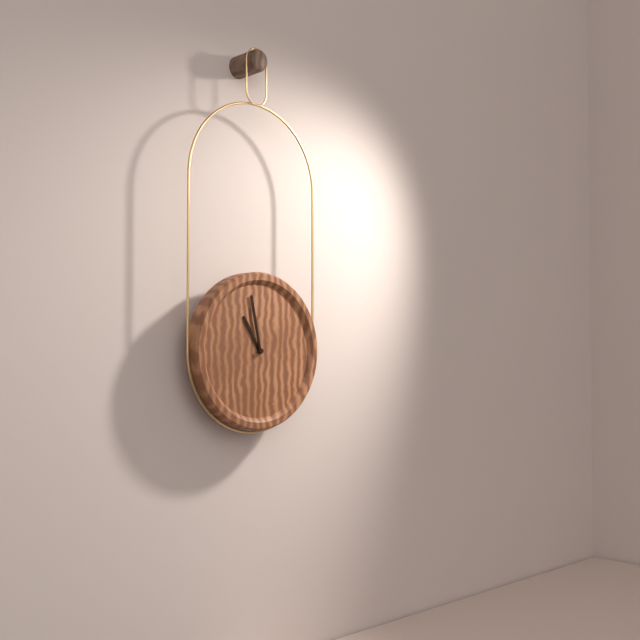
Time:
10:58
